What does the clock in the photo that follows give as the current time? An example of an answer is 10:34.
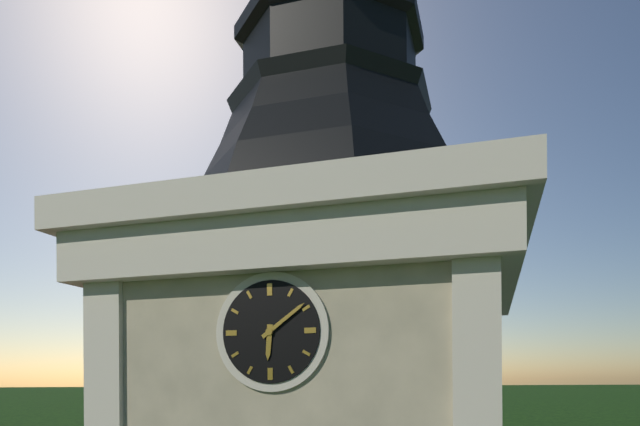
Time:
6:09
